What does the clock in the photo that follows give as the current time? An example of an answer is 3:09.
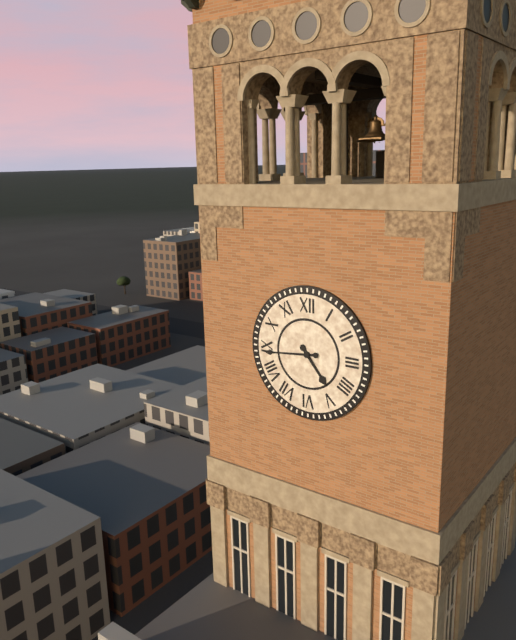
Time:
4:44
